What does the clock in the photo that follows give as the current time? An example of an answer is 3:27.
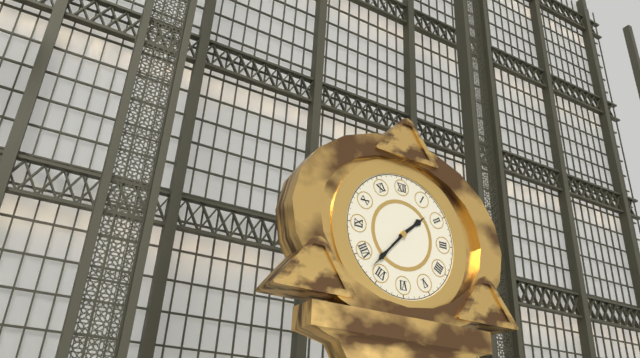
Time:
1:37
